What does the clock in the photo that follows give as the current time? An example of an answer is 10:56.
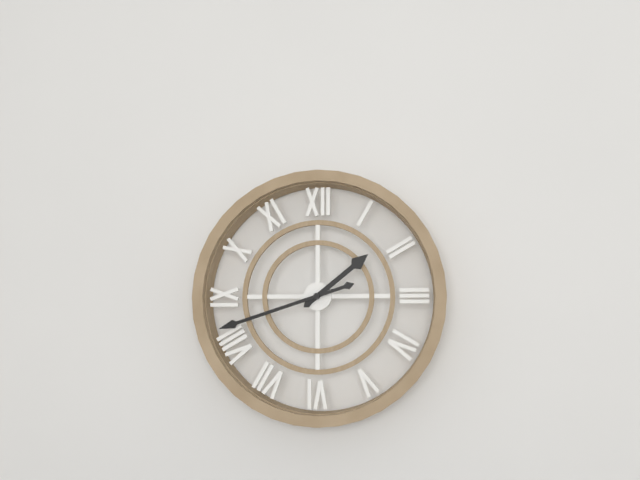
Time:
1:42
